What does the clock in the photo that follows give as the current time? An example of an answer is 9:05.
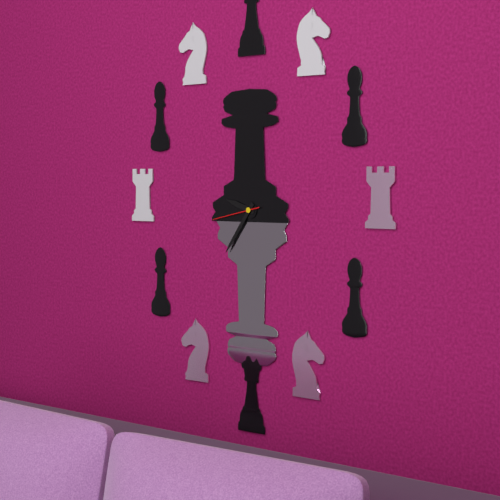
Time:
9:36
